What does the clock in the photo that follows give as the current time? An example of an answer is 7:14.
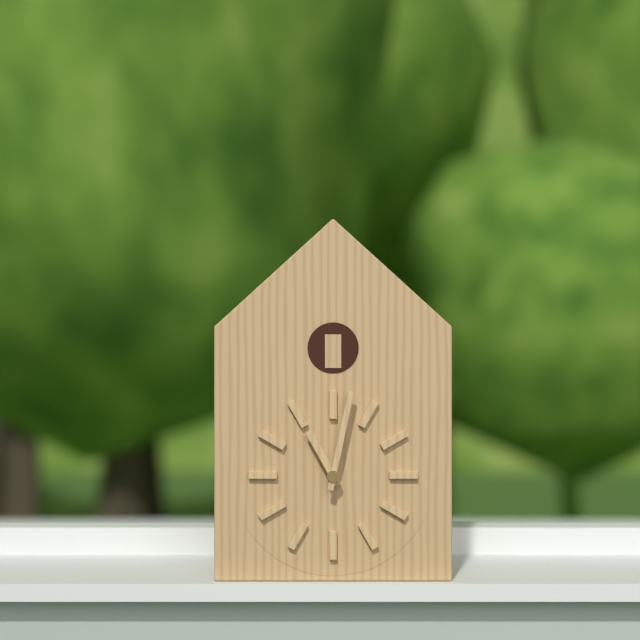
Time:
11:02
